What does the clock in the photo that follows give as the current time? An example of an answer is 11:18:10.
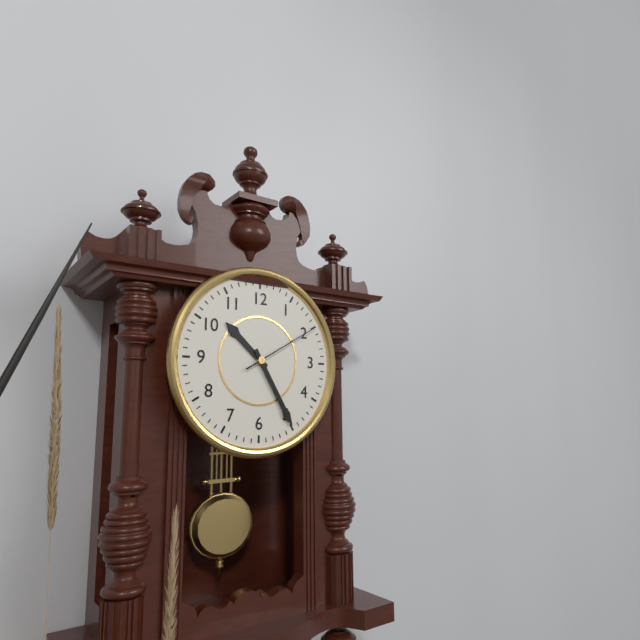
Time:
10:25:10
